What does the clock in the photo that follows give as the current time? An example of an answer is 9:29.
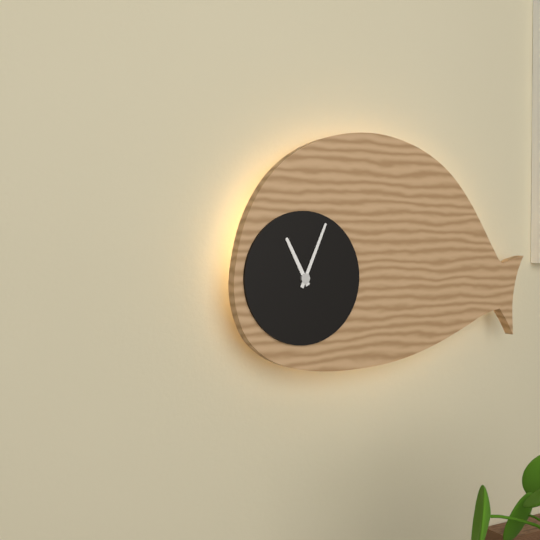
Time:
11:04
